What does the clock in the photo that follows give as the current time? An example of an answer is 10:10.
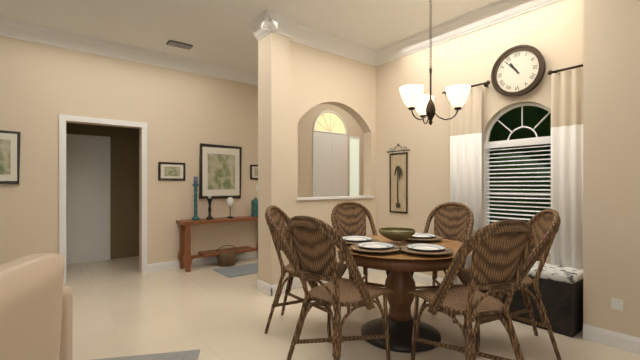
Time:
10:53
